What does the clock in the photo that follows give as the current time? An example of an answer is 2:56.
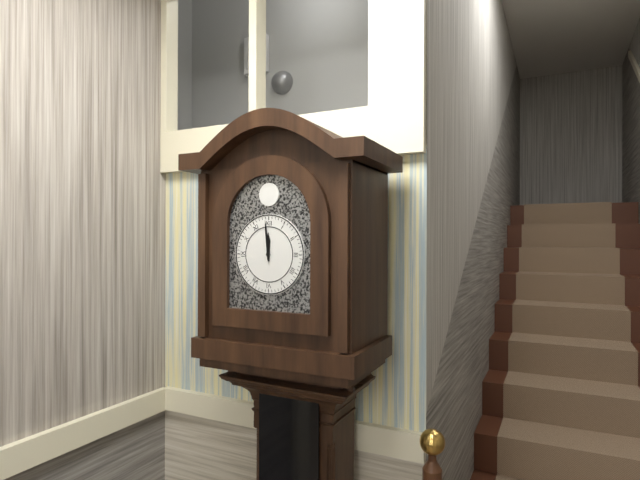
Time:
11:59
